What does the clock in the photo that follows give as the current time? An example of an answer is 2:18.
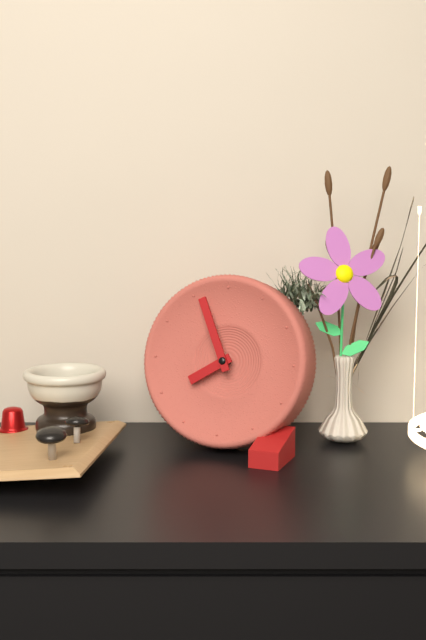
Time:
7:56
